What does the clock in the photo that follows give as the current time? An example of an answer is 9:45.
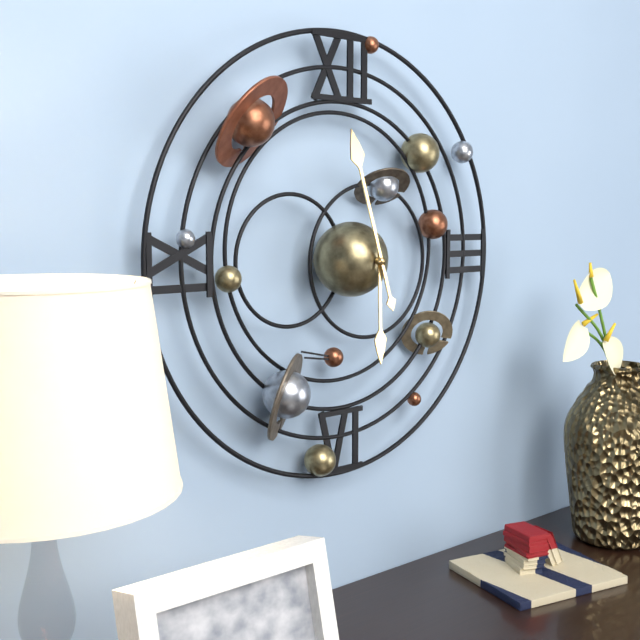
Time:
5:57
